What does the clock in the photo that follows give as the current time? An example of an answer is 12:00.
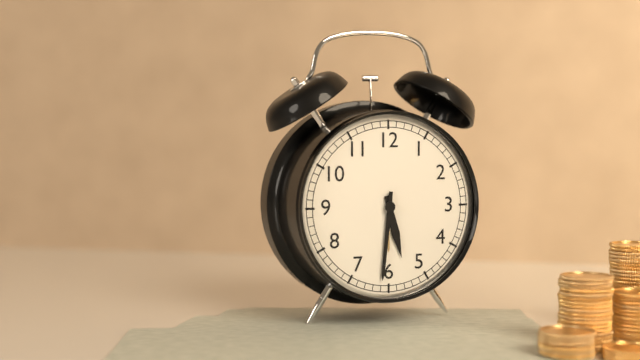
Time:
5:31
